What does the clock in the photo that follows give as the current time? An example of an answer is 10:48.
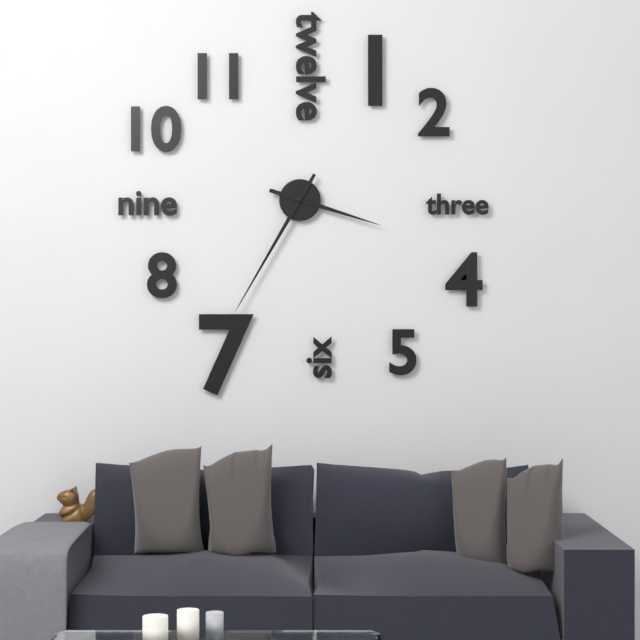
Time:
3:35
